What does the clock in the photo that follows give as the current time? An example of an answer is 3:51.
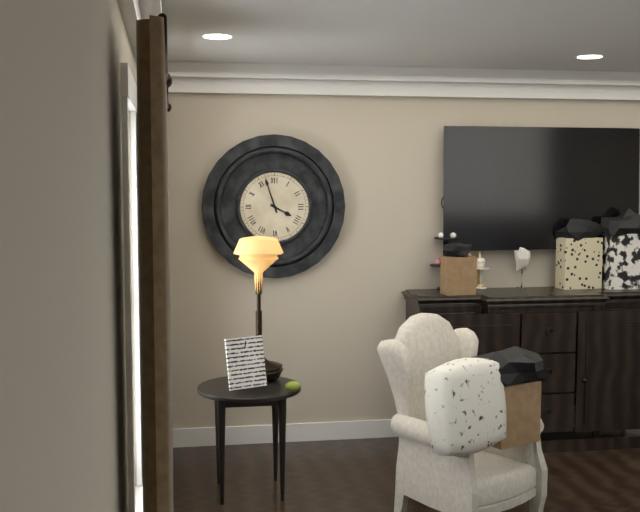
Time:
3:57
